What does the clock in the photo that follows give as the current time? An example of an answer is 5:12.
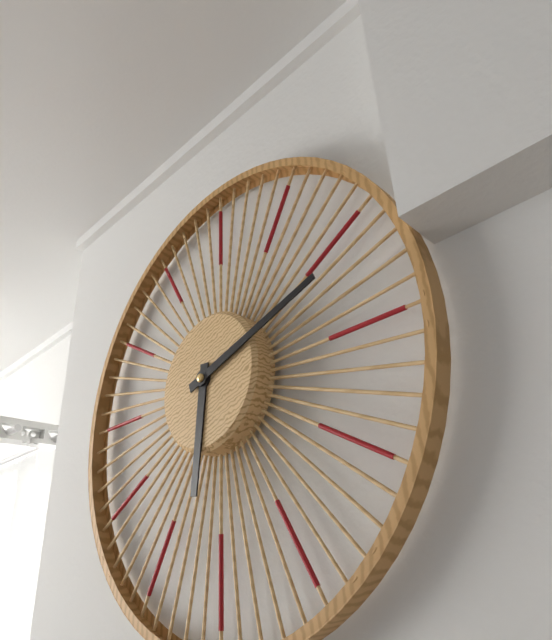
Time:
6:12
